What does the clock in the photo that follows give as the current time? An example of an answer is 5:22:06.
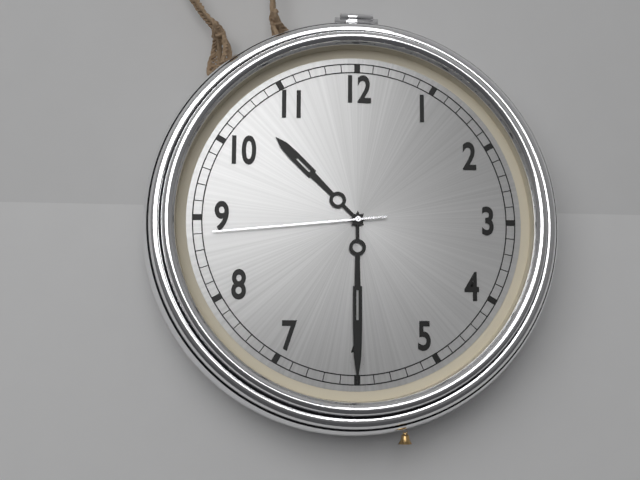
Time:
10:30:44
